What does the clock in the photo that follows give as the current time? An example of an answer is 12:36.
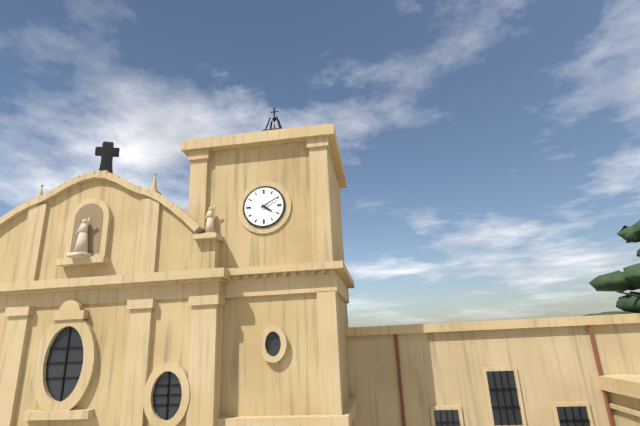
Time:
4:10
